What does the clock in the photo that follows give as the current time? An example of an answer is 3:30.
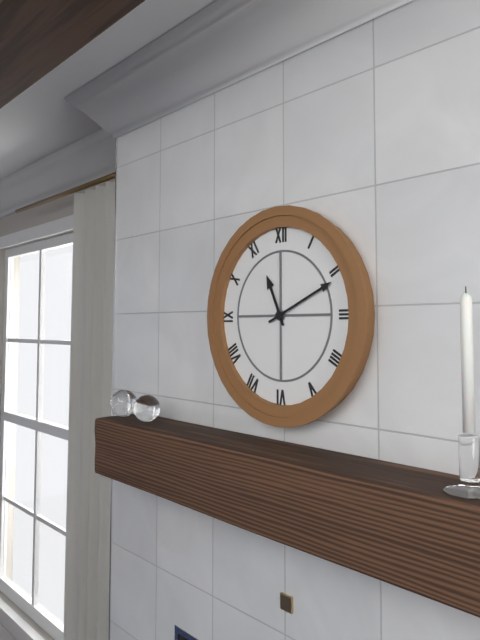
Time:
11:11
